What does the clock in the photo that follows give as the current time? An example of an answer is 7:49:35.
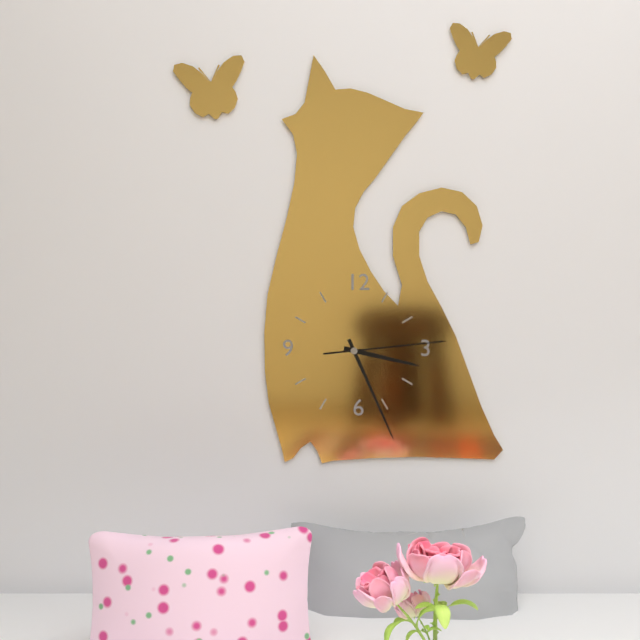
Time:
3:26:14
